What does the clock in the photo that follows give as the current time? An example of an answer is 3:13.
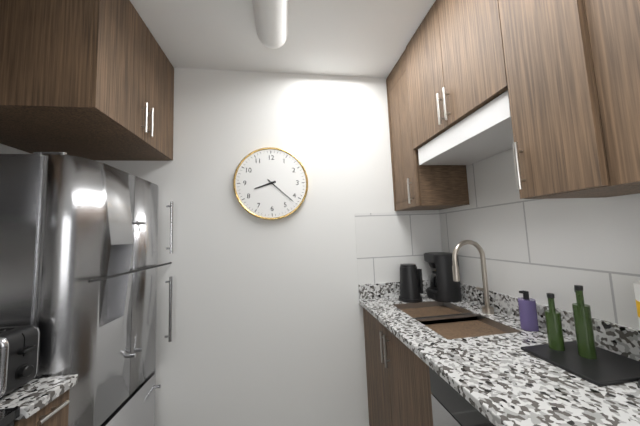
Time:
8:22
